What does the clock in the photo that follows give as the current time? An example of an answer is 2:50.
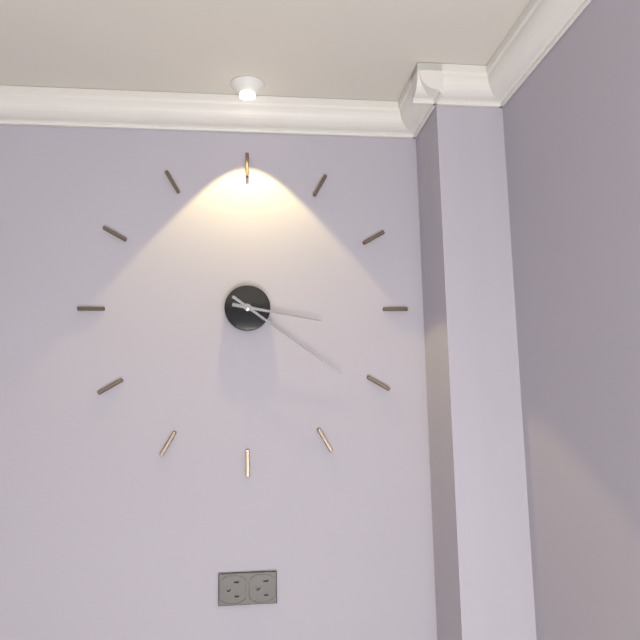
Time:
3:21
